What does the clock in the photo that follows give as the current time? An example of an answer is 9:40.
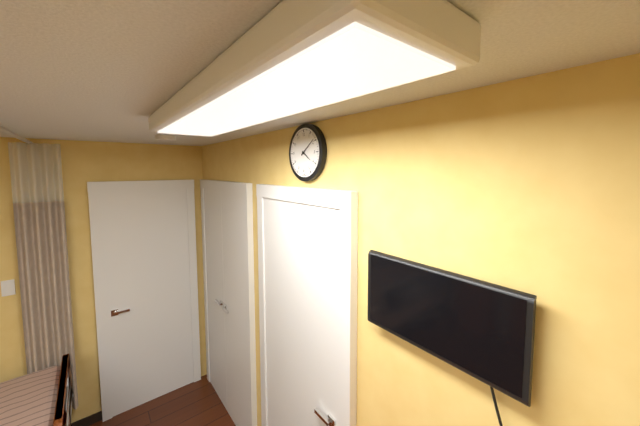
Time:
4:09
